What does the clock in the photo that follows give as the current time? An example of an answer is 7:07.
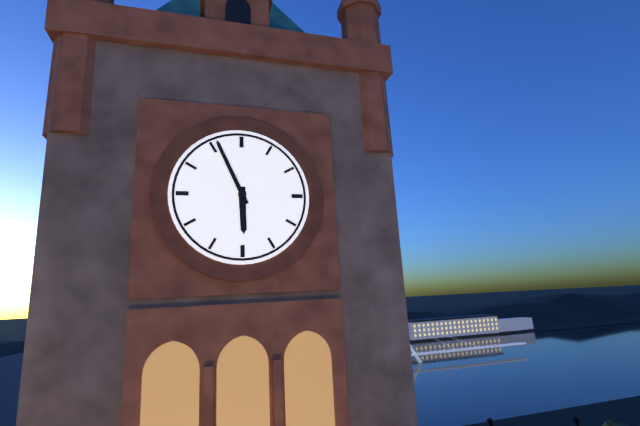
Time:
5:56
